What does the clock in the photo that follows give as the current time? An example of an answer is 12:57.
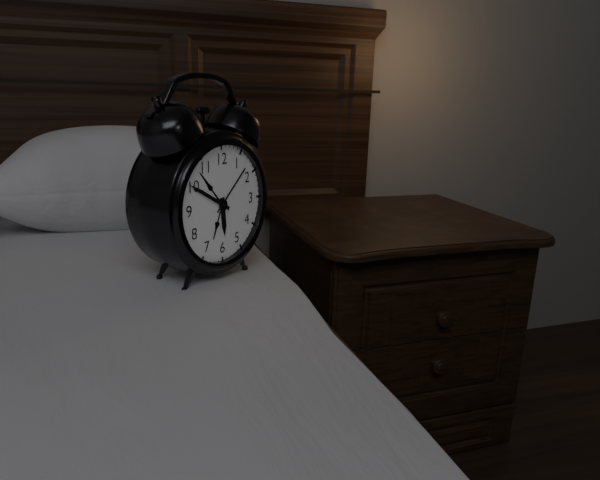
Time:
5:50
